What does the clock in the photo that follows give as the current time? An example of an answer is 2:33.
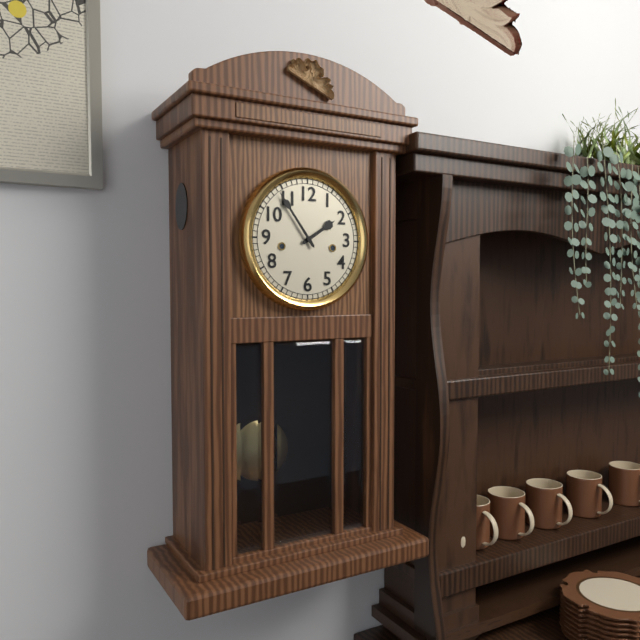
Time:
1:54
